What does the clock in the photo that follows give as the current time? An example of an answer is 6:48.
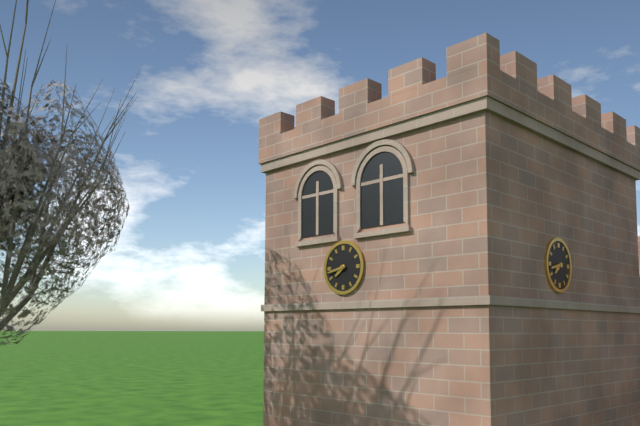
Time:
7:43
